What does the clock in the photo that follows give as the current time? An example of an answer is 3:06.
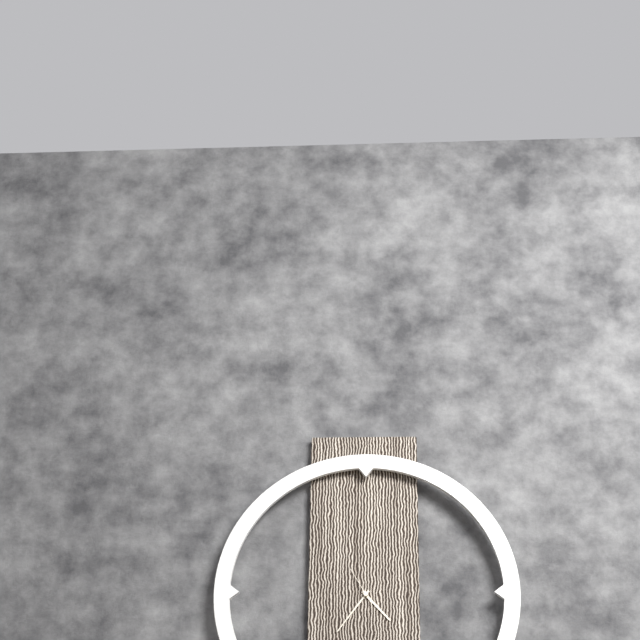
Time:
4:36
